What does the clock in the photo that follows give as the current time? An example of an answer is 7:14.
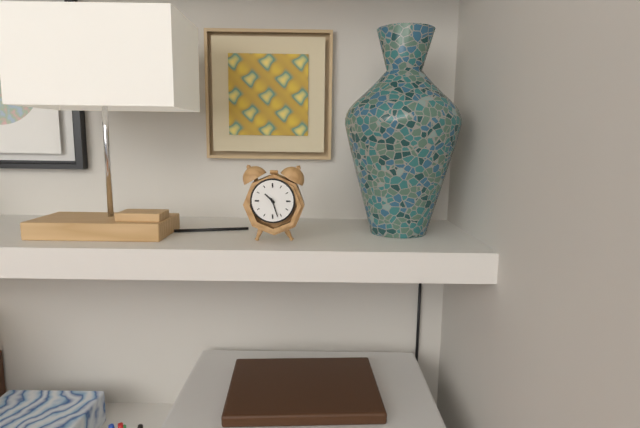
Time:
10:27
